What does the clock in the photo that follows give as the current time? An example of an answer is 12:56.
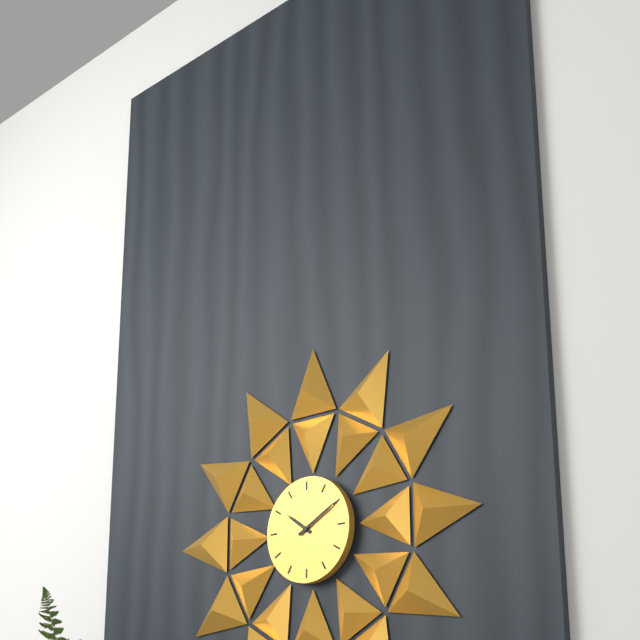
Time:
10:10
